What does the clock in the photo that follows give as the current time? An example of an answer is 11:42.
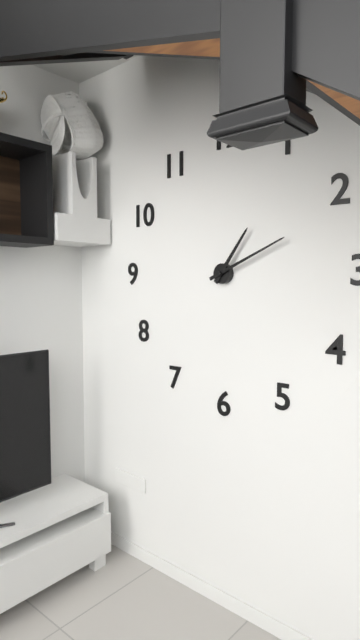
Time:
1:11
